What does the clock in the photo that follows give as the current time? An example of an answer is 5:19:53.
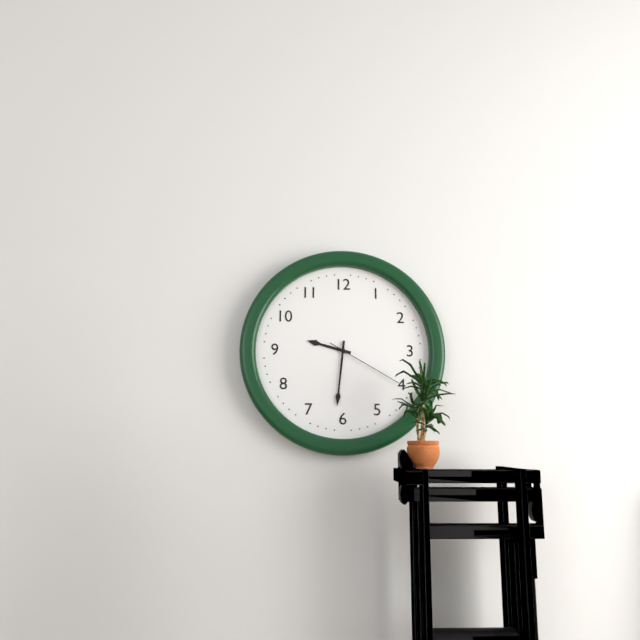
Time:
9:31:20
